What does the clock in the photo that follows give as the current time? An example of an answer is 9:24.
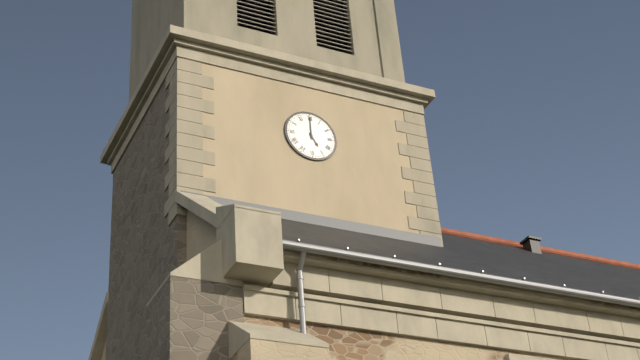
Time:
5:00
